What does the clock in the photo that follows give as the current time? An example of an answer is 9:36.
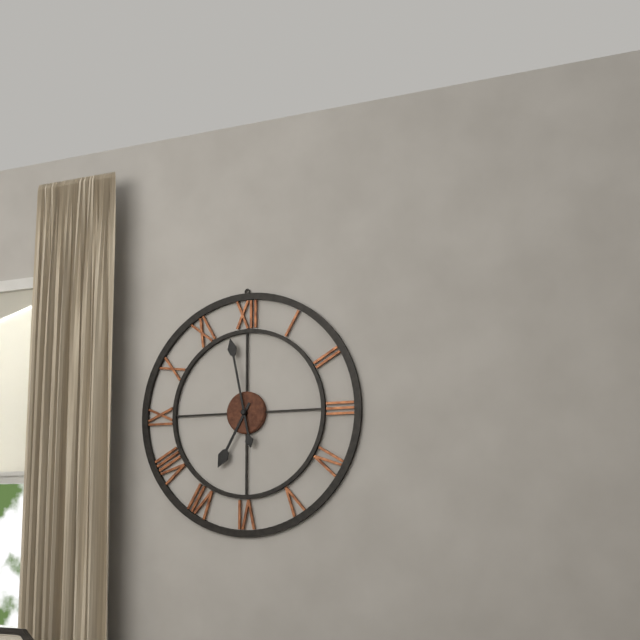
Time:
6:58
